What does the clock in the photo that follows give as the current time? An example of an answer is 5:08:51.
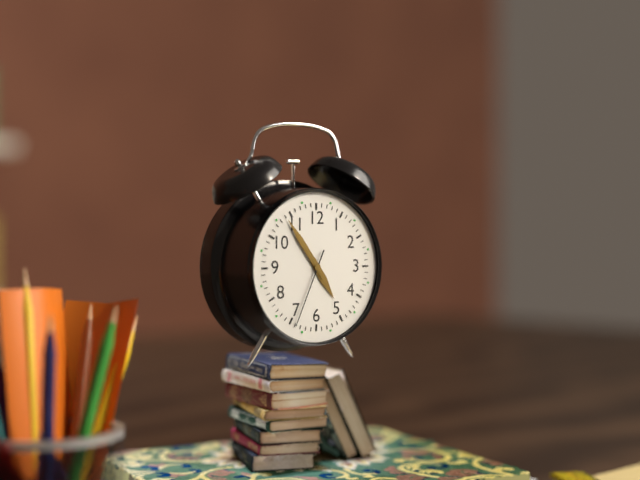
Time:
4:54:34
